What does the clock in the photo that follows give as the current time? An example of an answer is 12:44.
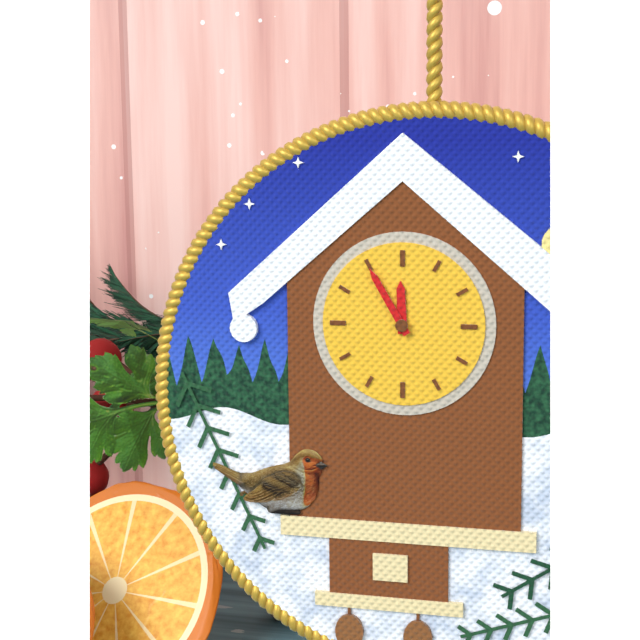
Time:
11:55
